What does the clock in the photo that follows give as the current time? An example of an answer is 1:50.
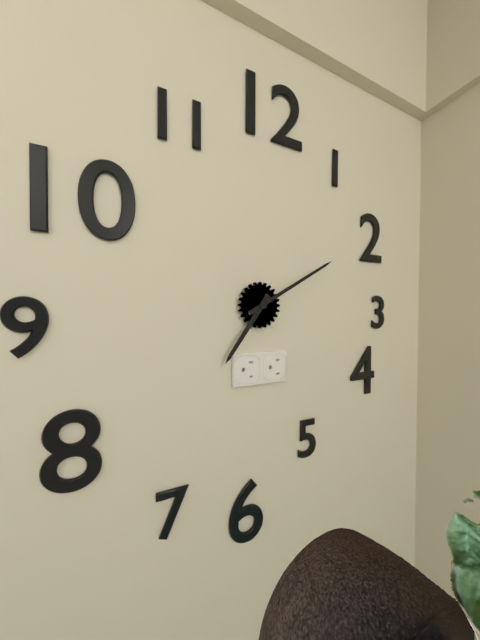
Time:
7:10
